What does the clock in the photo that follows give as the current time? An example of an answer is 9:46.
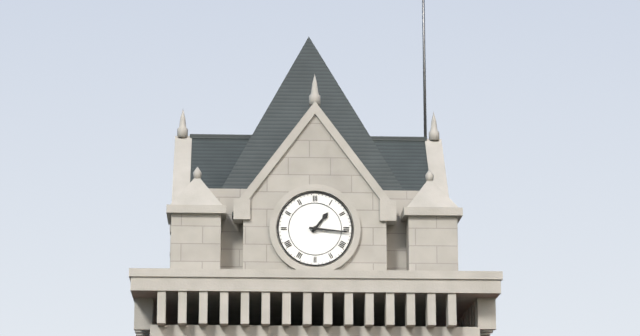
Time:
1:16
